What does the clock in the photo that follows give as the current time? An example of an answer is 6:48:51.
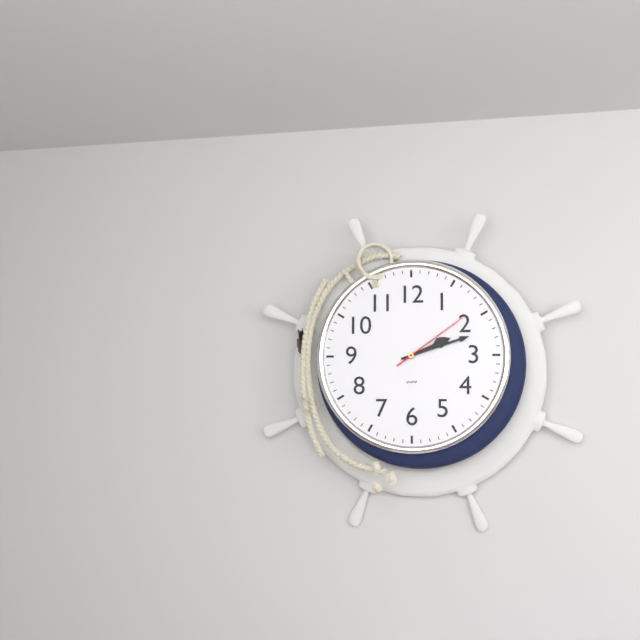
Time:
2:12:09
